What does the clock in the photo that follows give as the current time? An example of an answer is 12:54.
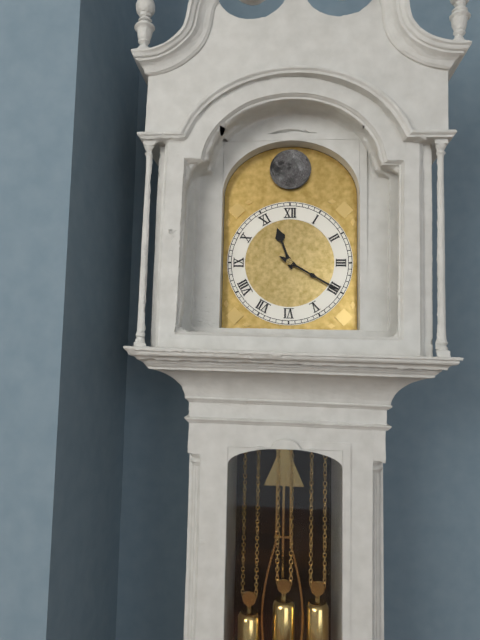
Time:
11:20
